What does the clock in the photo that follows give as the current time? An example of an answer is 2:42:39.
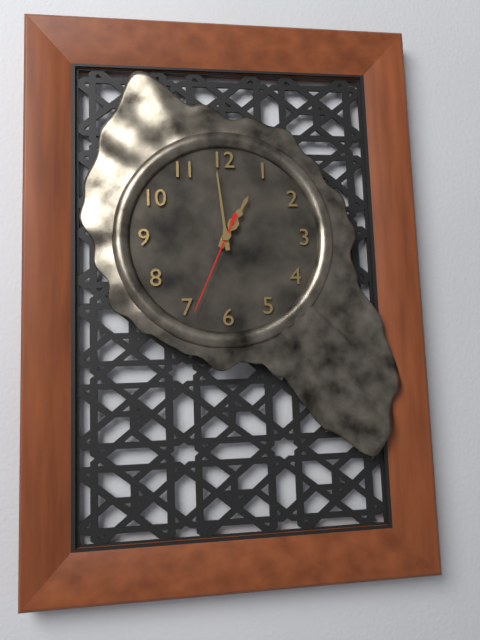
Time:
12:59:34
